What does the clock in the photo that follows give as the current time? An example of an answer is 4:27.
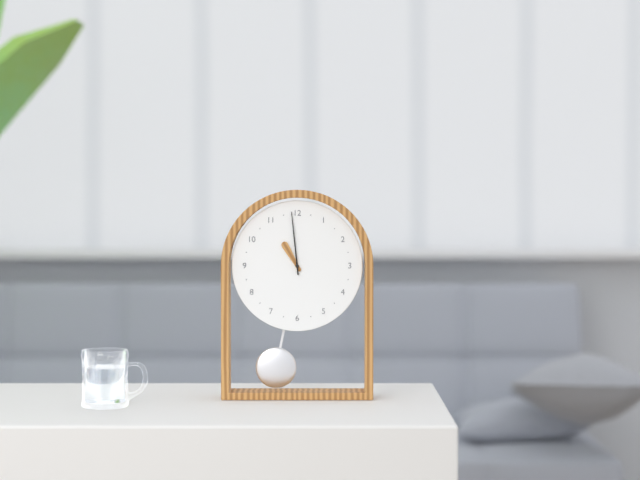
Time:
10:59
